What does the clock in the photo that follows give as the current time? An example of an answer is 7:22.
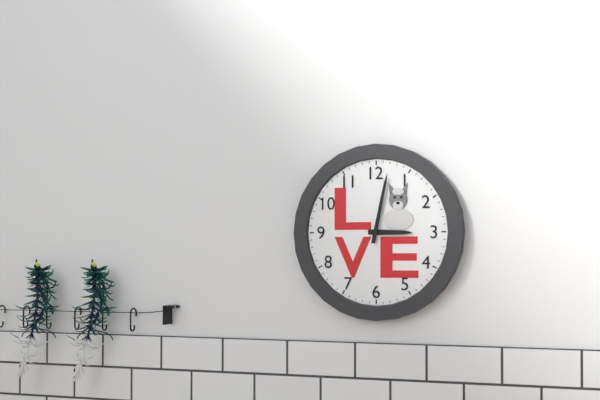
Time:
3:02
